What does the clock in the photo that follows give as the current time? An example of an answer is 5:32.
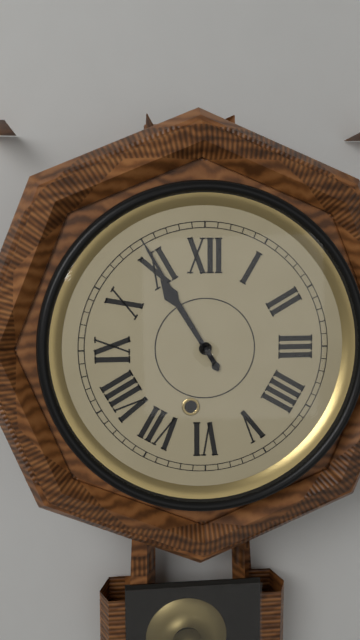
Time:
10:55
